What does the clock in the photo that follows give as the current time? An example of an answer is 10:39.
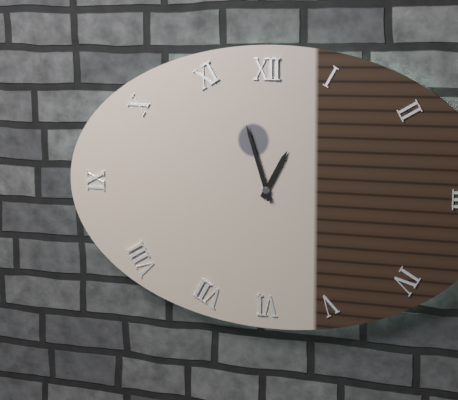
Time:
12:57
